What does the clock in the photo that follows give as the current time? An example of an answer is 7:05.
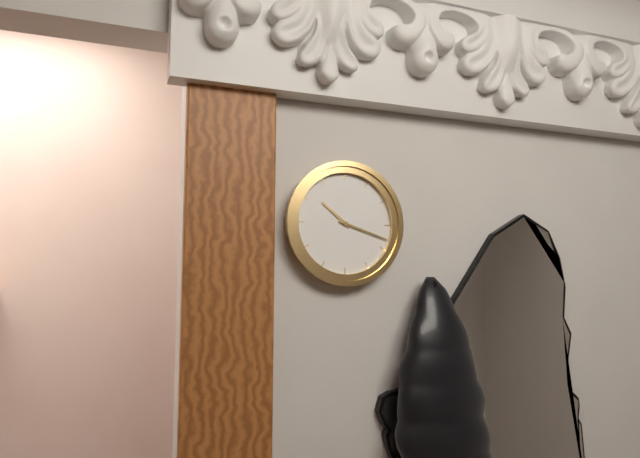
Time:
10:18
